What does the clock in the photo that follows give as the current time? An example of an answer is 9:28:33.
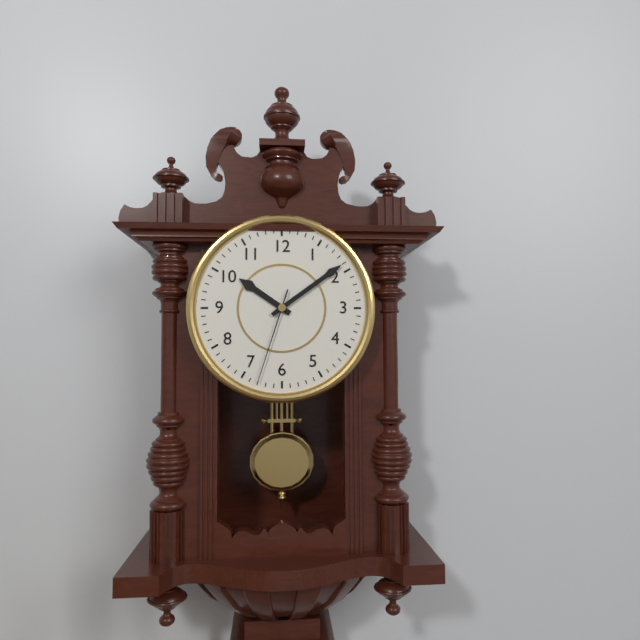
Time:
10:09:33
